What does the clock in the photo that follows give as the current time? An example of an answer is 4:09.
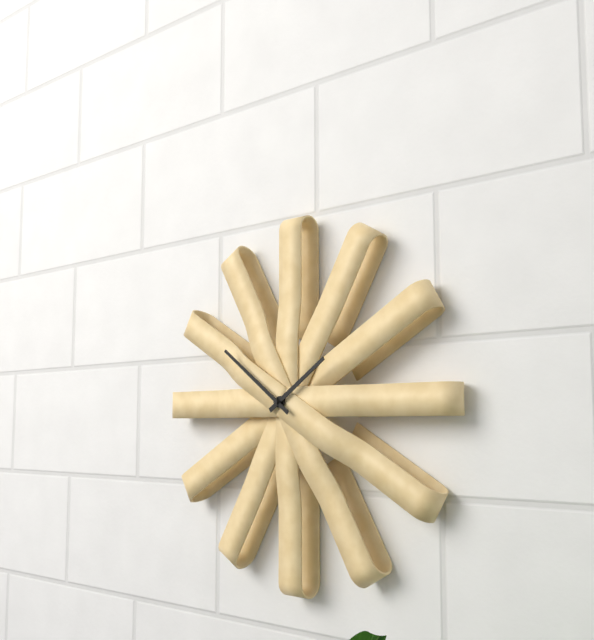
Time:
1:51
